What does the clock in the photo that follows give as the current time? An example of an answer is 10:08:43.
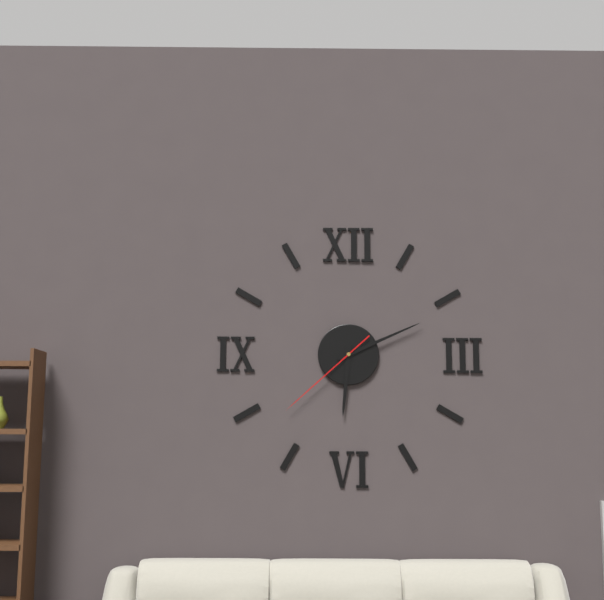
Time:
6:11:38
